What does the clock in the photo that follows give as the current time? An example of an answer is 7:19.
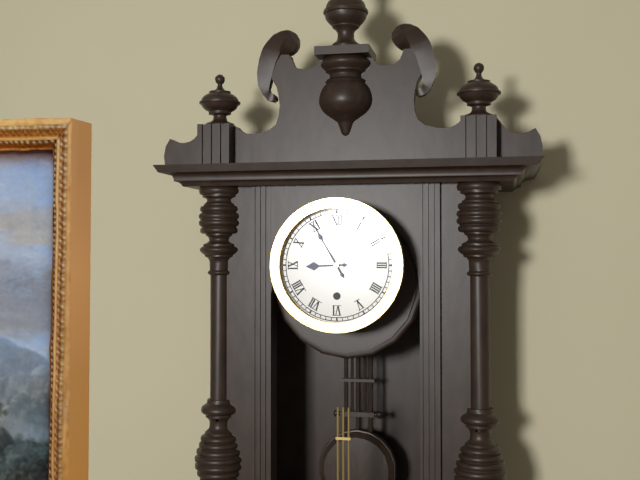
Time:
8:55
